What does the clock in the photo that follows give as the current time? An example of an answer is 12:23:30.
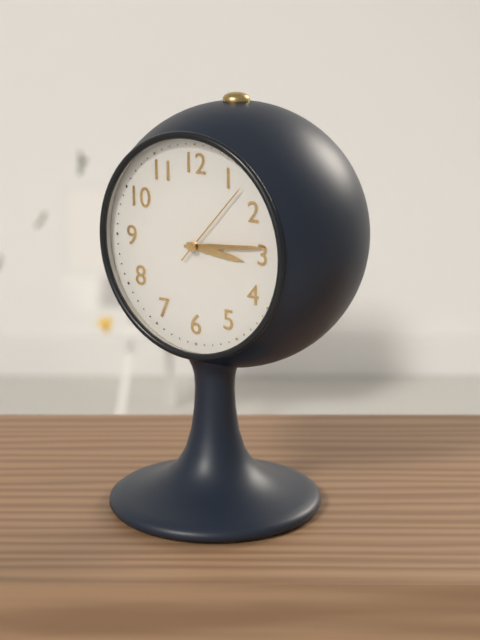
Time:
3:14:07
